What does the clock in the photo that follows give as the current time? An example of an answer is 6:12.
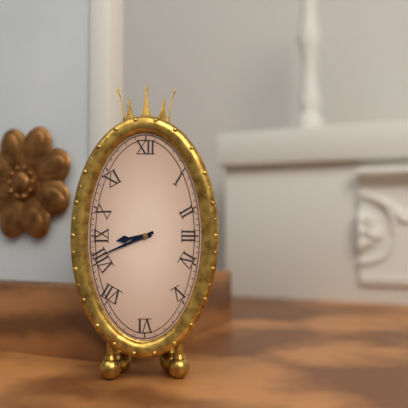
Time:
8:41
